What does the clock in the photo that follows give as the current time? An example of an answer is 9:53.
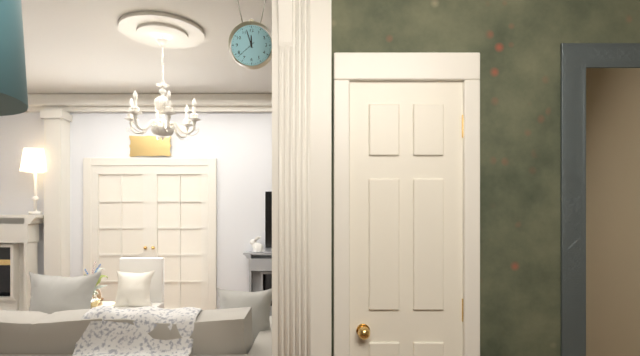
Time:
11:57
